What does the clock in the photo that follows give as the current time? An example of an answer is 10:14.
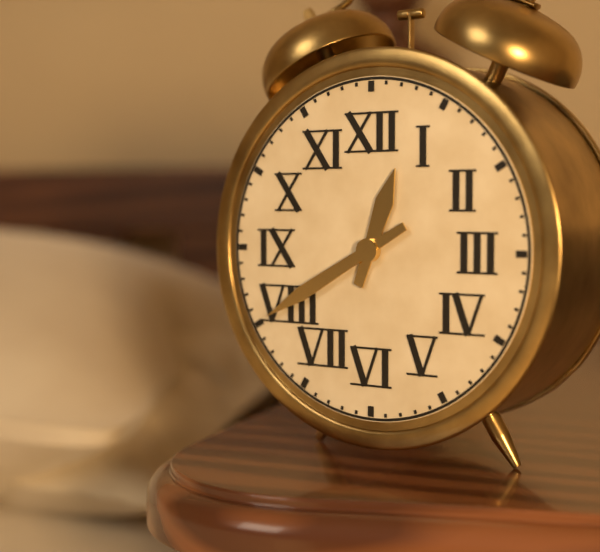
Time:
12:40
